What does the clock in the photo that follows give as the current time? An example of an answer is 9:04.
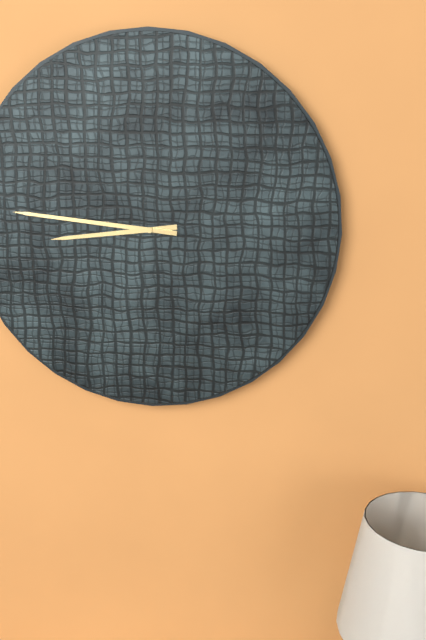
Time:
8:46
